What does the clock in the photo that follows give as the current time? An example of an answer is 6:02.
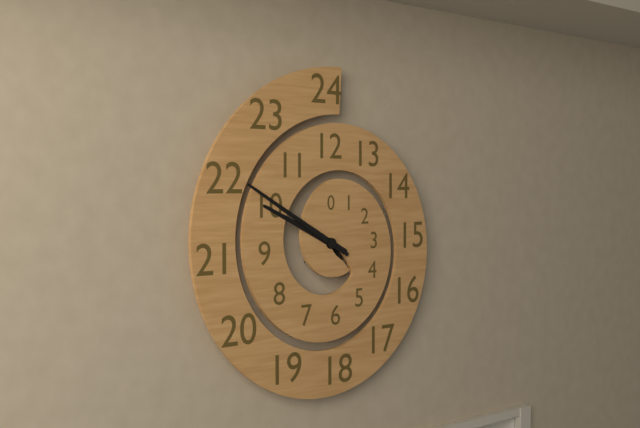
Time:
9:50
